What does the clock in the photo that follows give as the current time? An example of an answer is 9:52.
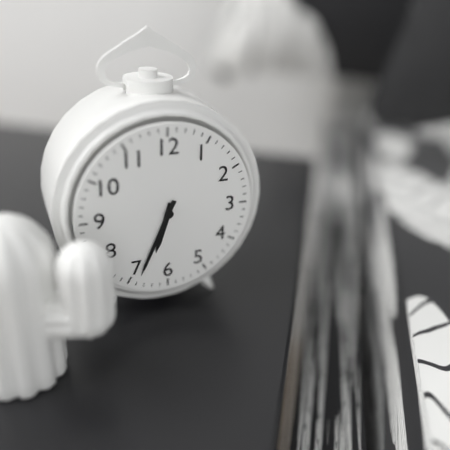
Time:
6:34
